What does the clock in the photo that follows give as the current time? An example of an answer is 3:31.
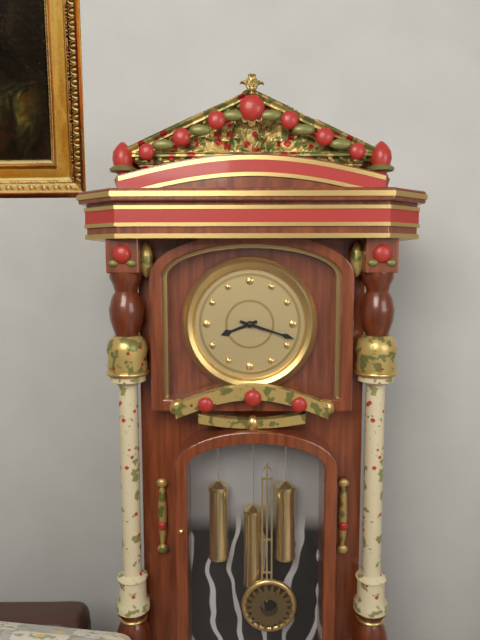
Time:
8:18
